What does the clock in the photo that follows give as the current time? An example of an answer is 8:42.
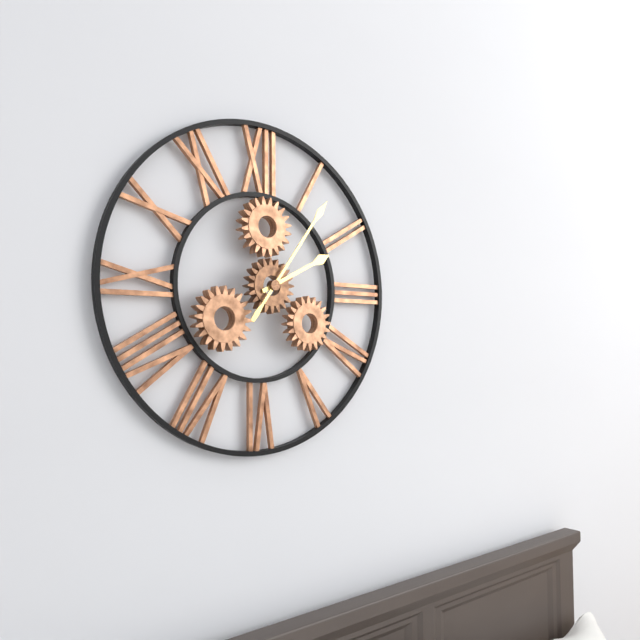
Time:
2:06
